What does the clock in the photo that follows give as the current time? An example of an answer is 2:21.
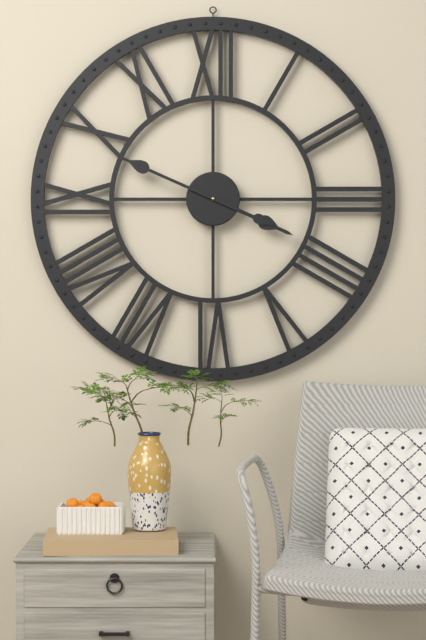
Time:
3:49
